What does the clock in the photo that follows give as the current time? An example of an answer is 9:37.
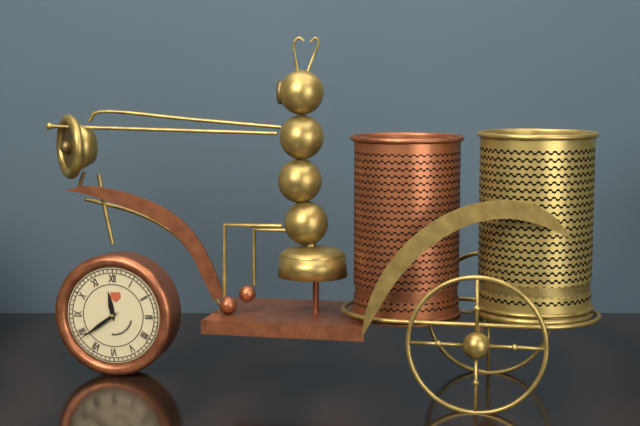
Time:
11:39
